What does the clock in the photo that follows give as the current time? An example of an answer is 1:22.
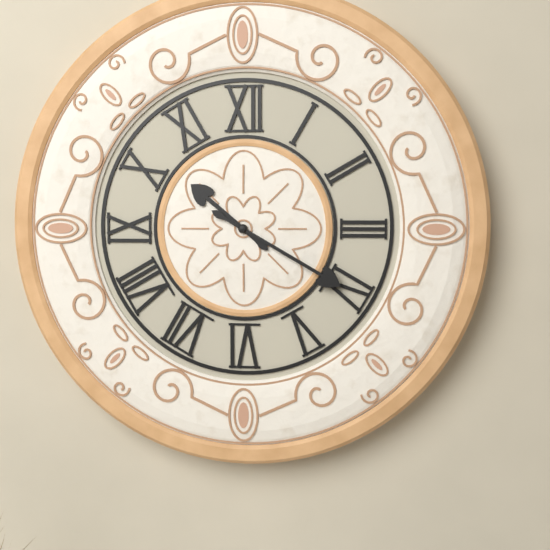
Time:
10:20
